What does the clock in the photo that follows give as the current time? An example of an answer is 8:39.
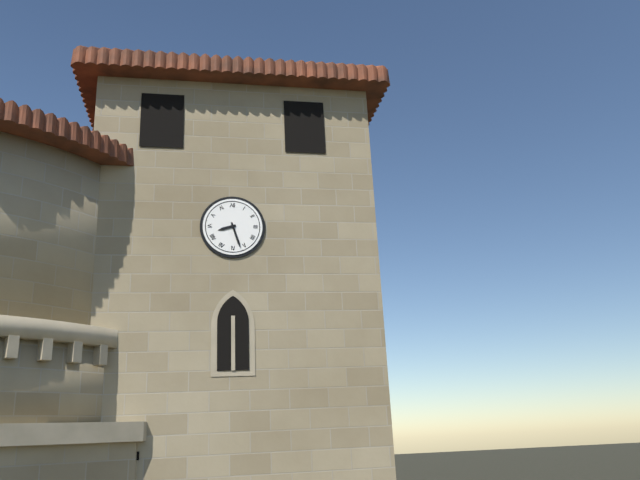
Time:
8:27
